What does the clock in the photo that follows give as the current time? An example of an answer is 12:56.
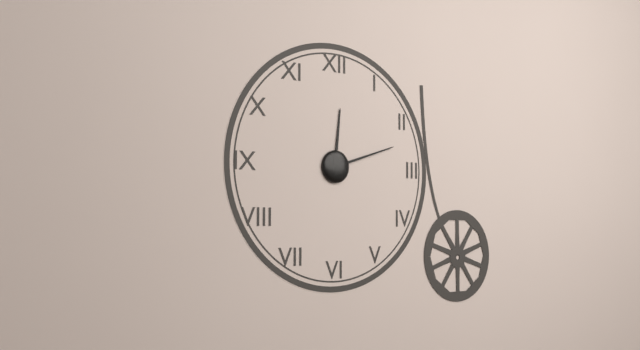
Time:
12:12
